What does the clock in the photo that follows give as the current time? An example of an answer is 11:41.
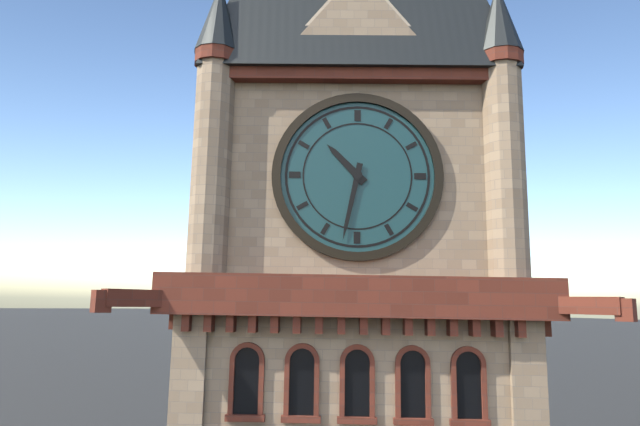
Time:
10:32
